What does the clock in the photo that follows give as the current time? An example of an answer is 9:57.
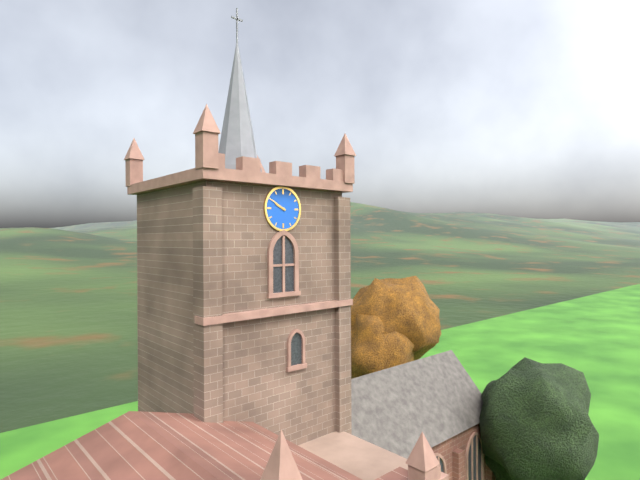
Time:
9:50
